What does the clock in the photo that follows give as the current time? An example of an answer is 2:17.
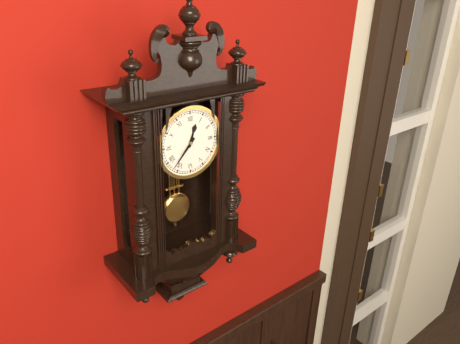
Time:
12:37
